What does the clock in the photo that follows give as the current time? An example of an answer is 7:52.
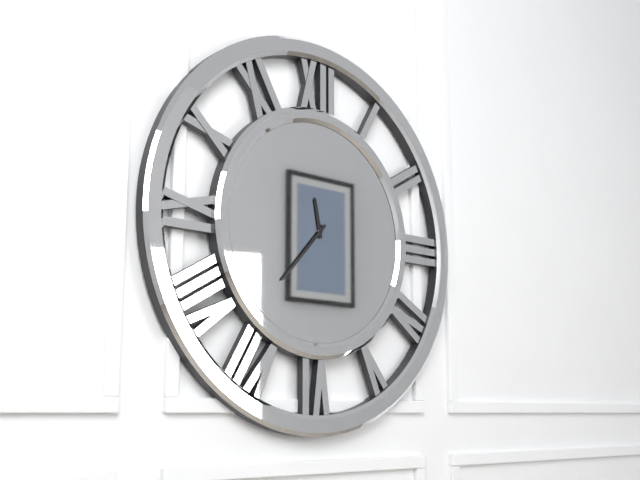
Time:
11:37
